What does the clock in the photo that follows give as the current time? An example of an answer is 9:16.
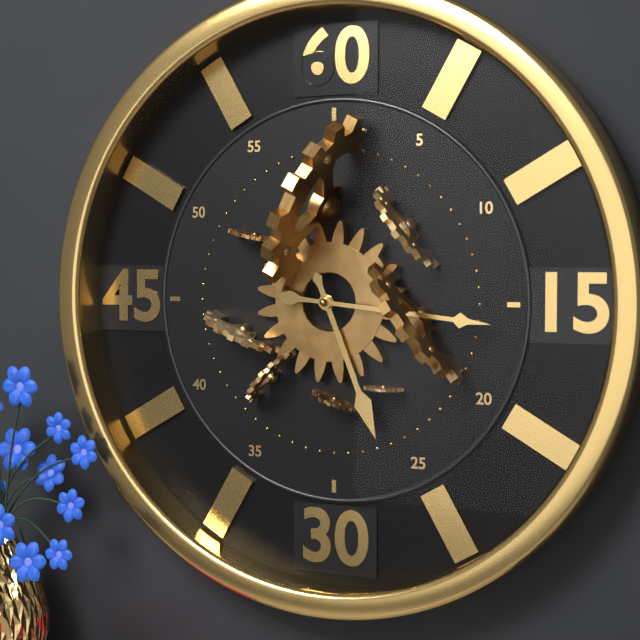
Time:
5:16
